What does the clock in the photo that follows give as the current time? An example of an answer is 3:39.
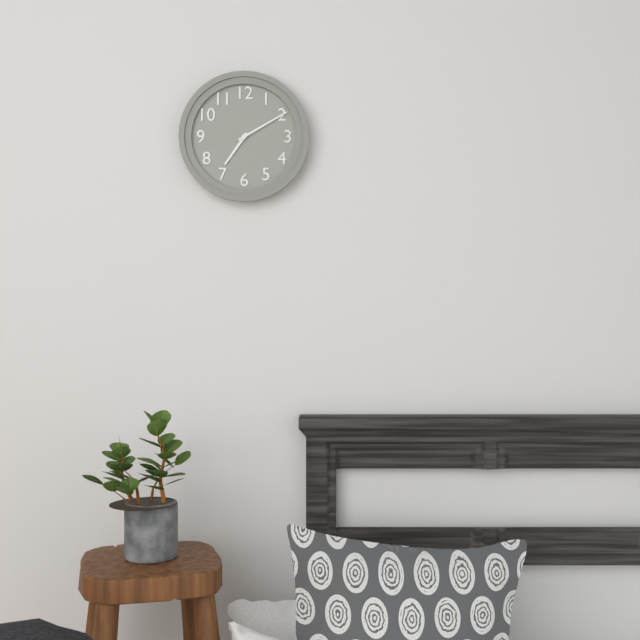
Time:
7:10
